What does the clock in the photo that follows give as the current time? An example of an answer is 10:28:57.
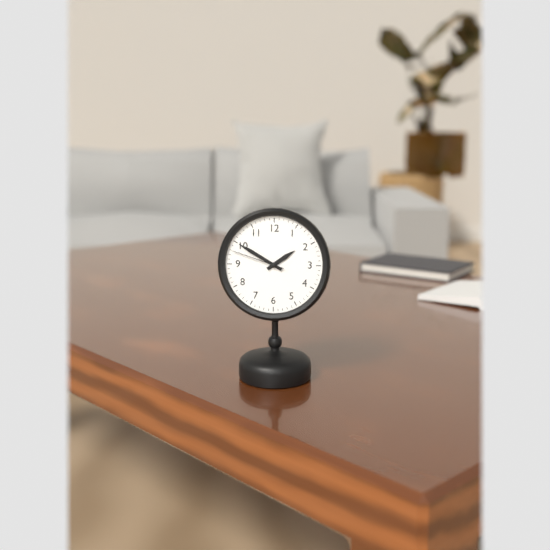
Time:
1:50:48
